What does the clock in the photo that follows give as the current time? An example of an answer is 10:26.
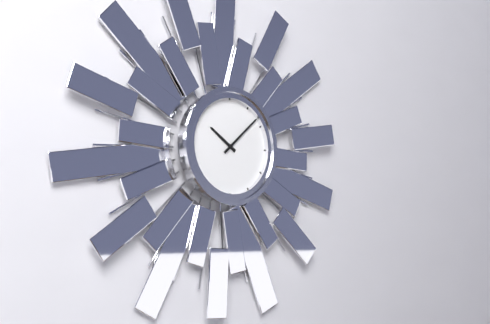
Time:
10:08
